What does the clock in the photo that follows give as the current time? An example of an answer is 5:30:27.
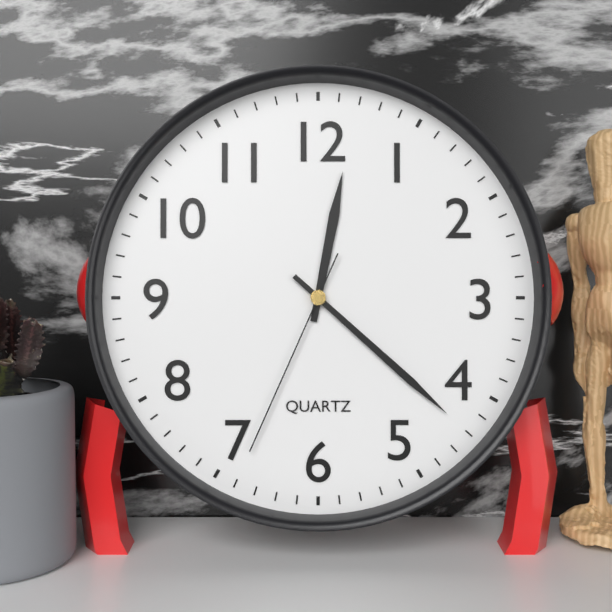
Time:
12:22:34
